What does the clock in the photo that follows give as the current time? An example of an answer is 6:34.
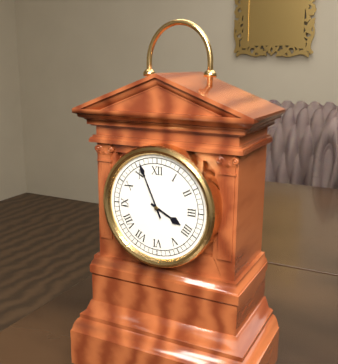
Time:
3:56
